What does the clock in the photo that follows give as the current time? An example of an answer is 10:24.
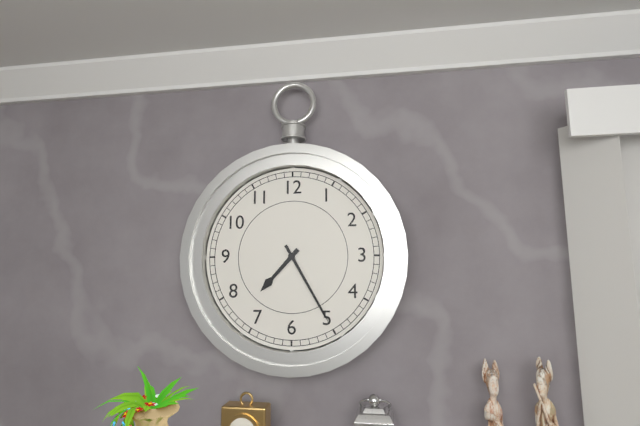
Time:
7:25
